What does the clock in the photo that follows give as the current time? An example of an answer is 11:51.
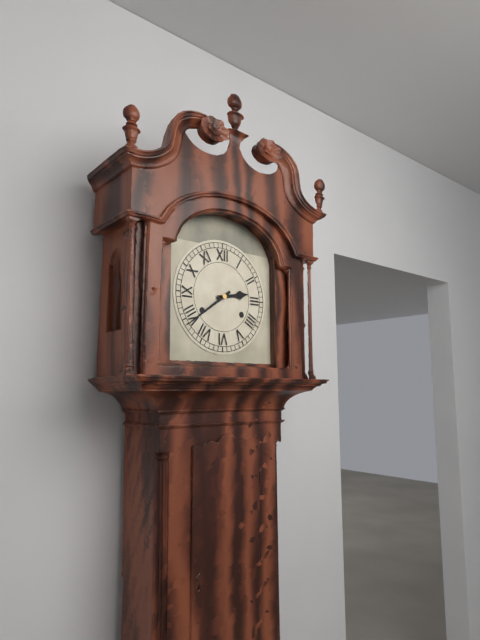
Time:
2:39
